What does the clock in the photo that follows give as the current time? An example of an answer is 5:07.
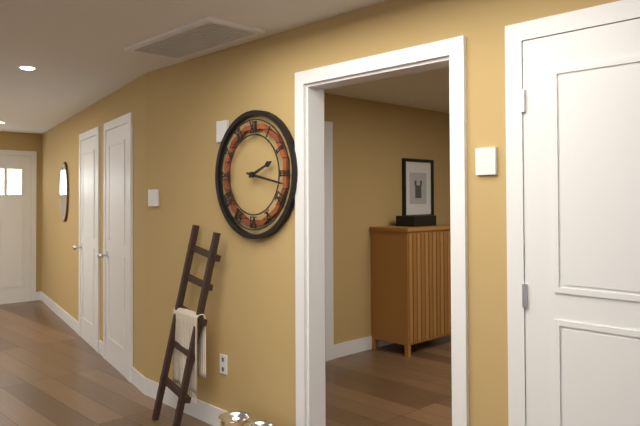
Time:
2:17
